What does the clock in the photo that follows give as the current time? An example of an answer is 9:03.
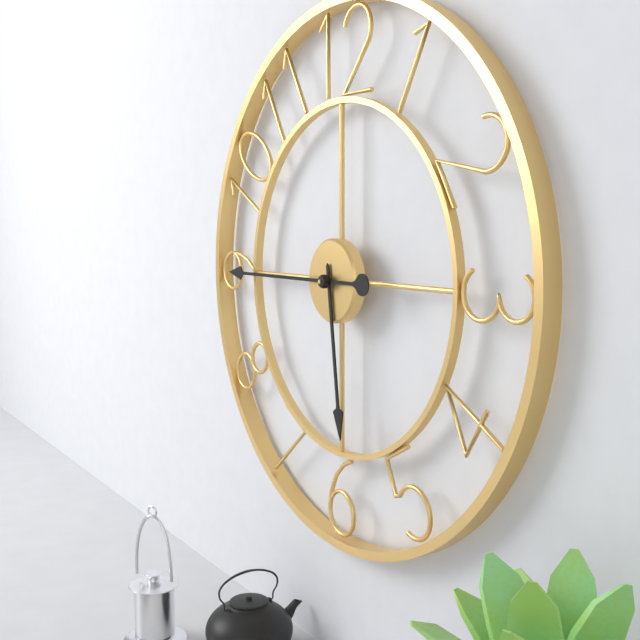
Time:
5:45
